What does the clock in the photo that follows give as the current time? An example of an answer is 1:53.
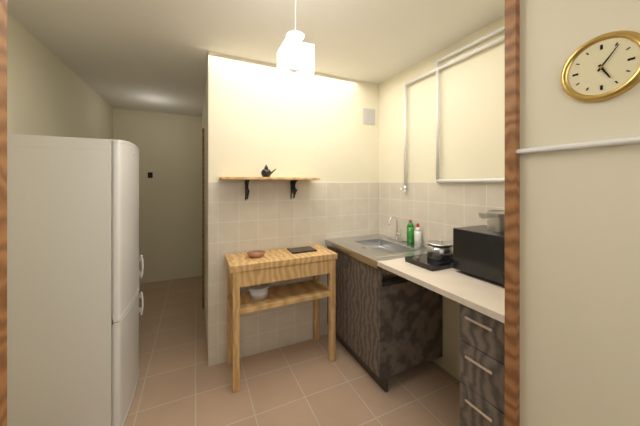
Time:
5:06
